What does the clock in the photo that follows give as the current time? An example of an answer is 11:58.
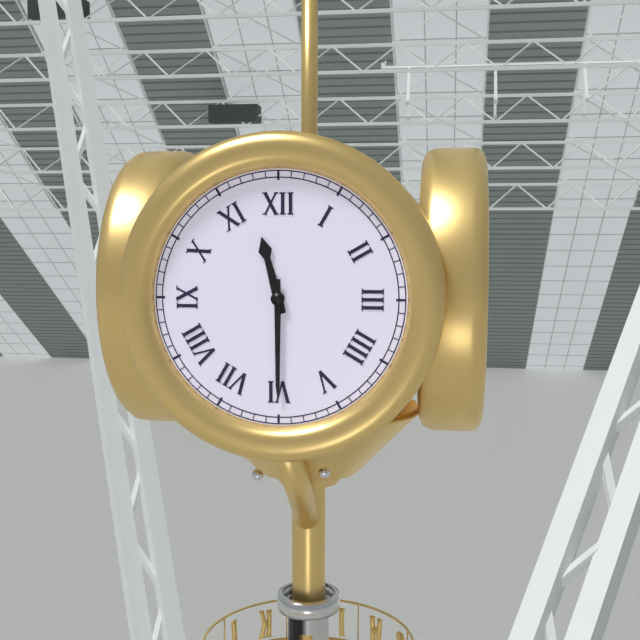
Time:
11:30
